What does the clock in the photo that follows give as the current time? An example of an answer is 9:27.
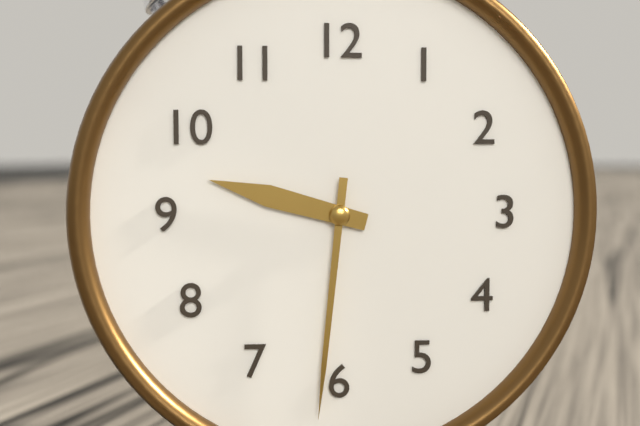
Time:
9:31
